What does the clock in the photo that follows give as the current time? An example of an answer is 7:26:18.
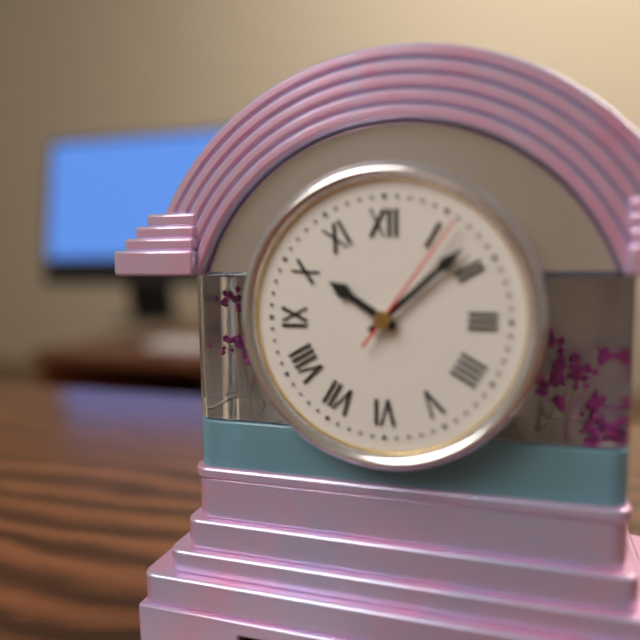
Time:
10:08:06
